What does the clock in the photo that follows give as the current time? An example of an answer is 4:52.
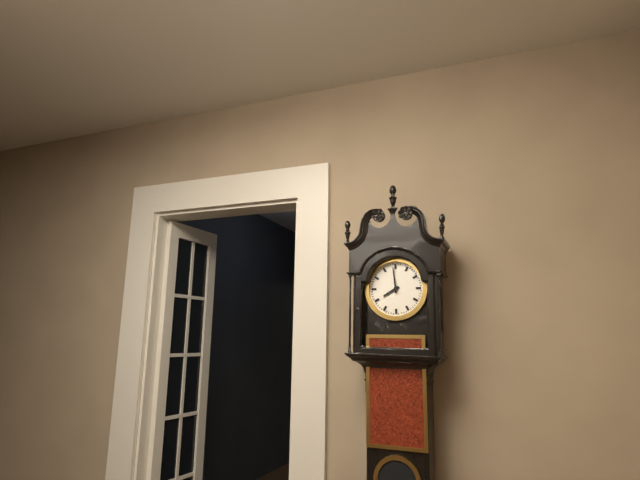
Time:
7:59
